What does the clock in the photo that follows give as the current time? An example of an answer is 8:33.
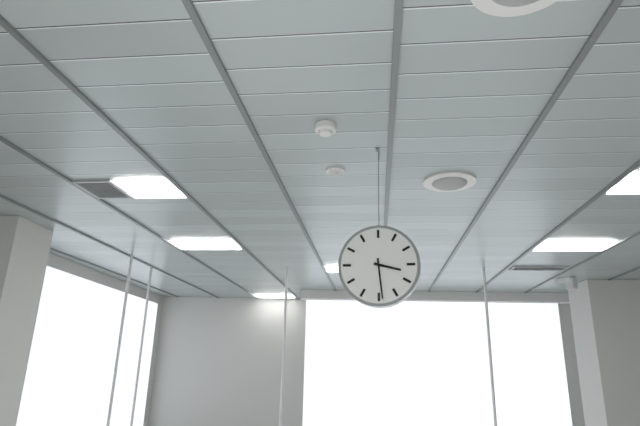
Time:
3:29
